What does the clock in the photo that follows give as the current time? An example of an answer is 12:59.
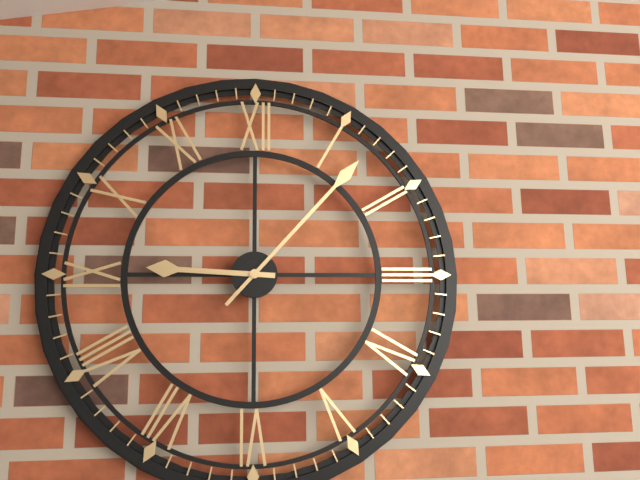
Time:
9:07
